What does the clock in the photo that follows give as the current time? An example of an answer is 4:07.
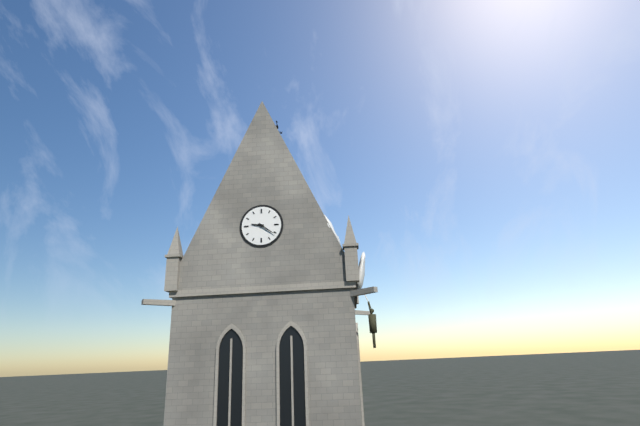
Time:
9:21
